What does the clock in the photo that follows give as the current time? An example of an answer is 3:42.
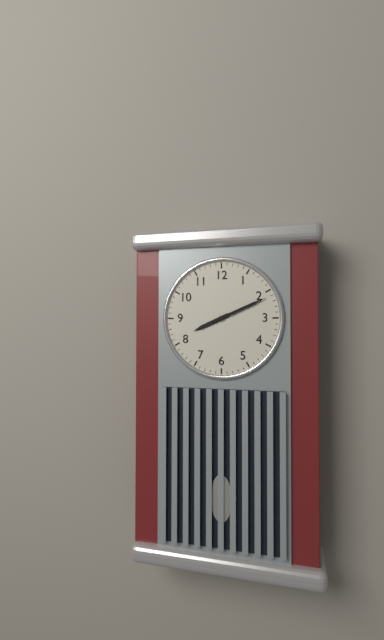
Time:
8:11
